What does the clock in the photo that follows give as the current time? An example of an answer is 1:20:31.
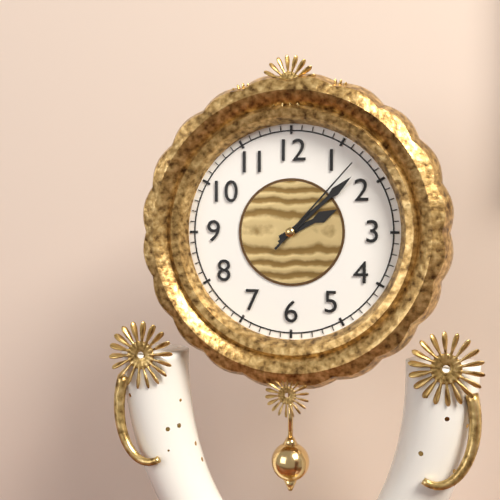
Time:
2:08:07
